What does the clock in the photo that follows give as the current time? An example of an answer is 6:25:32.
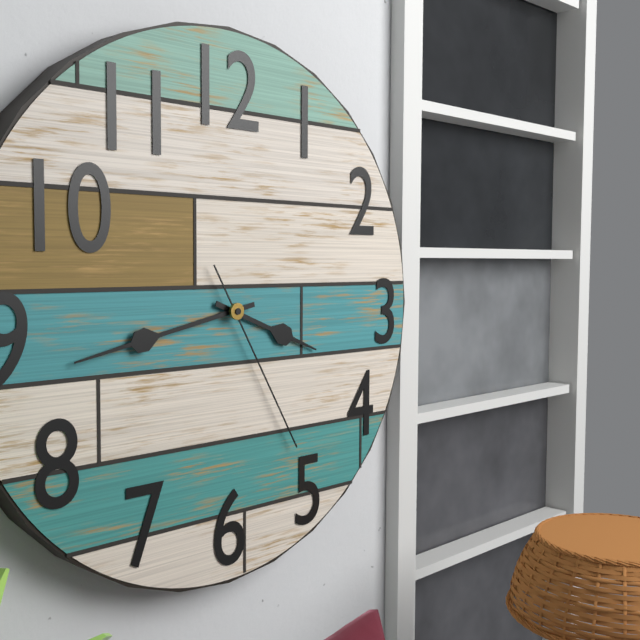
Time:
3:43:25
